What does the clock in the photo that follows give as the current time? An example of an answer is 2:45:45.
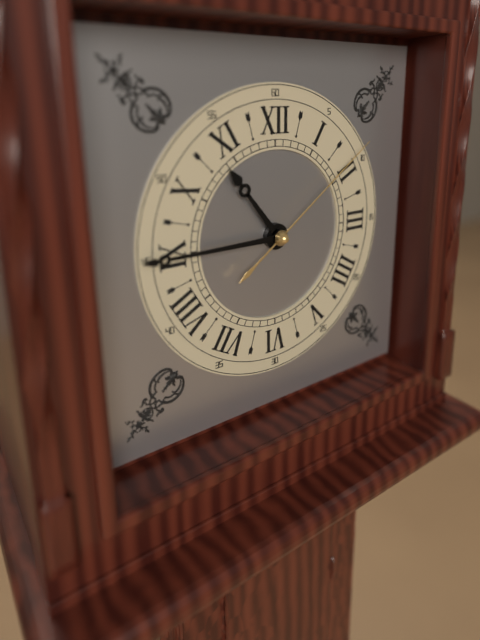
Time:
10:45:09
